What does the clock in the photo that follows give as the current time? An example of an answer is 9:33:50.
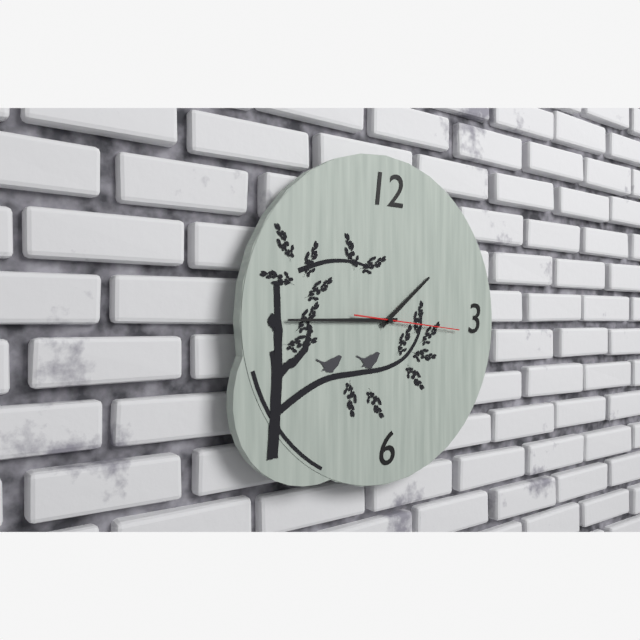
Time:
1:45:16
